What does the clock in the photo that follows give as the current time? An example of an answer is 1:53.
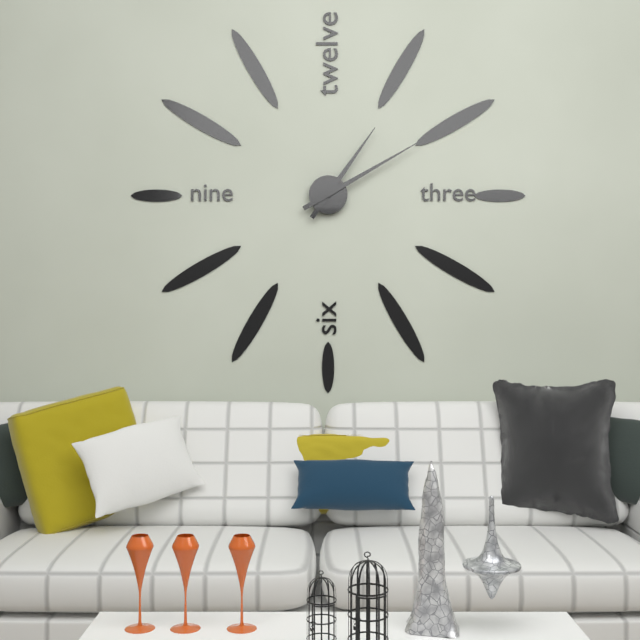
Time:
1:10
